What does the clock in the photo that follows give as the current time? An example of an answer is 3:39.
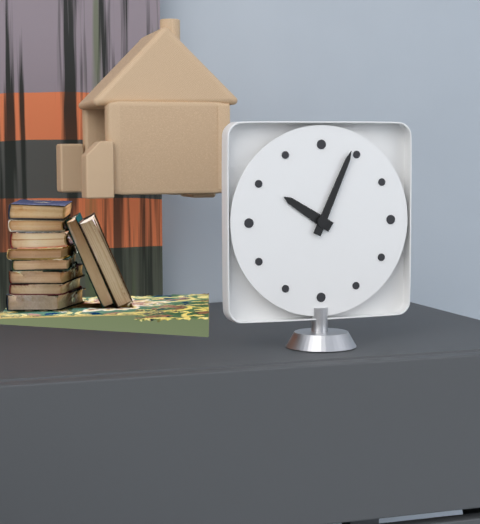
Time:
10:04
